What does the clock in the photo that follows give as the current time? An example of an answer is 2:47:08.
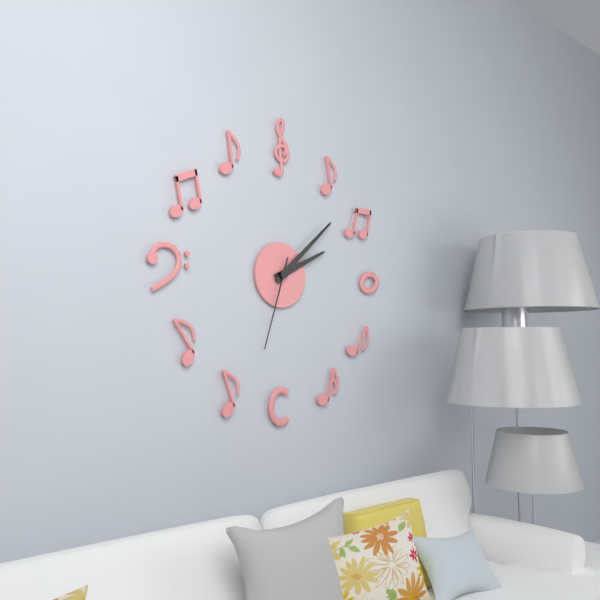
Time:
2:08:33
